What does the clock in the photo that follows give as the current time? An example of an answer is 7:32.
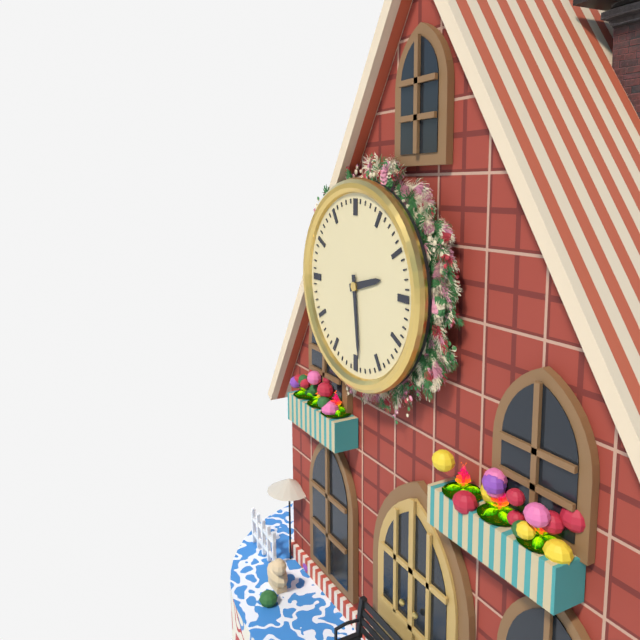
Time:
2:29
